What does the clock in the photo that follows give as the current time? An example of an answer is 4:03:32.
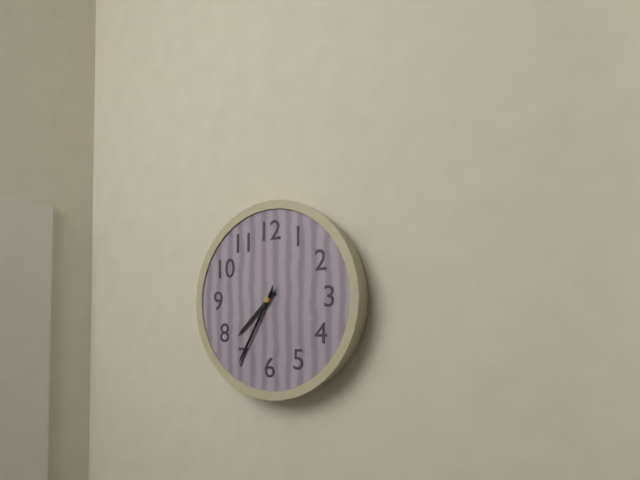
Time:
7:35:35
